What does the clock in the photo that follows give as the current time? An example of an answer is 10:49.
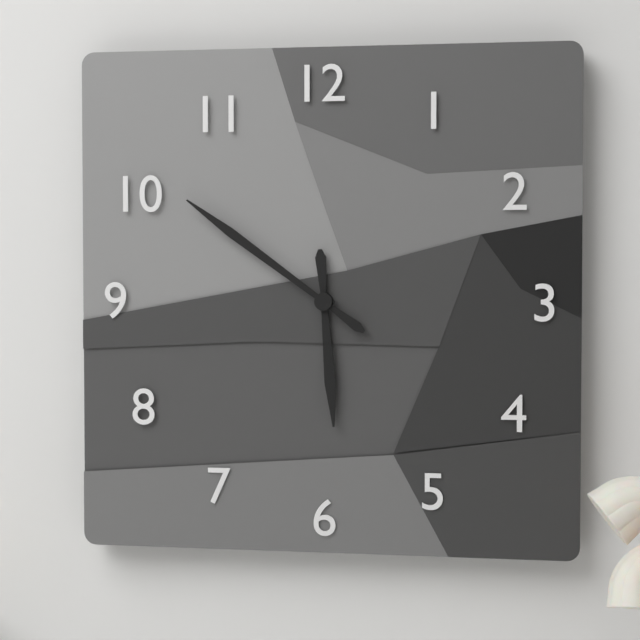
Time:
5:51
